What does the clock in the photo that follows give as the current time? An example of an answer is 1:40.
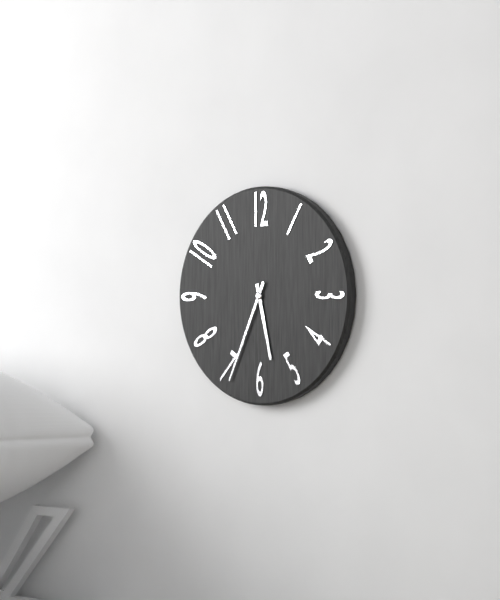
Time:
5:34
